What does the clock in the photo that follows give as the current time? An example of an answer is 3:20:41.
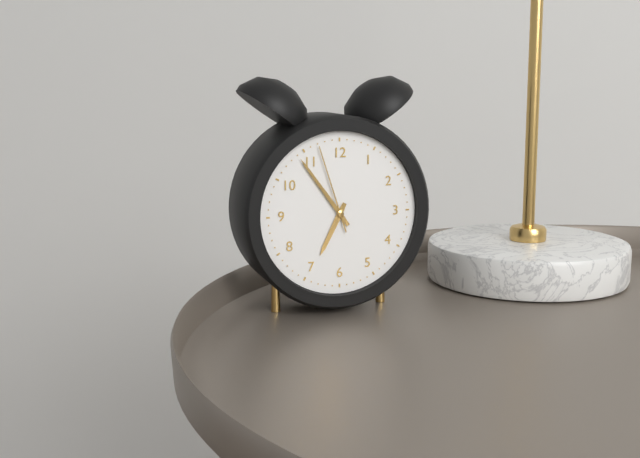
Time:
6:54:57
